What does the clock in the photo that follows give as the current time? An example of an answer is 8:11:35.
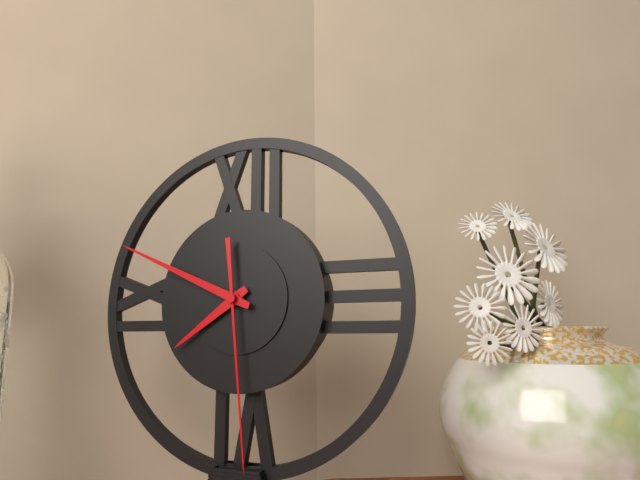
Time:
7:49:29
